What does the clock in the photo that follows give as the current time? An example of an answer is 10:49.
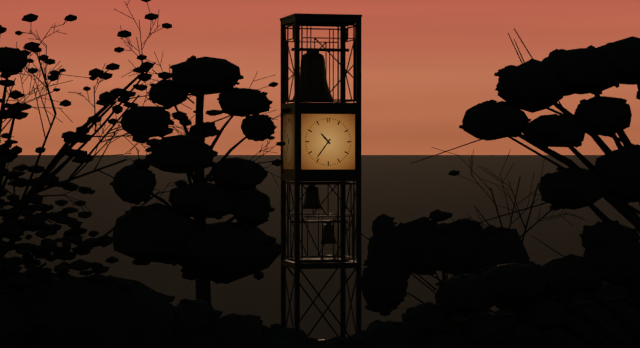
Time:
10:36
